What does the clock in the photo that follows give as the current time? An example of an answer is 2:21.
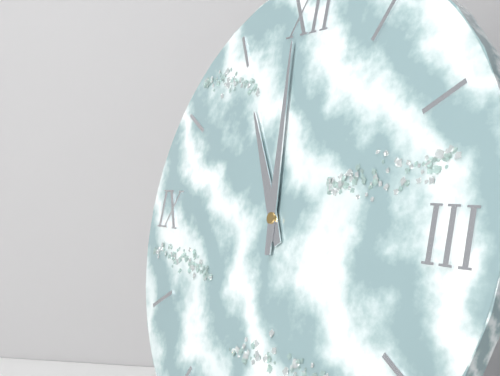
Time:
10:59
